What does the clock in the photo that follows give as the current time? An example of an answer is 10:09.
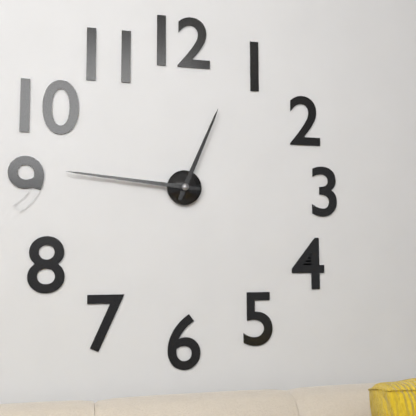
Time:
12:46
